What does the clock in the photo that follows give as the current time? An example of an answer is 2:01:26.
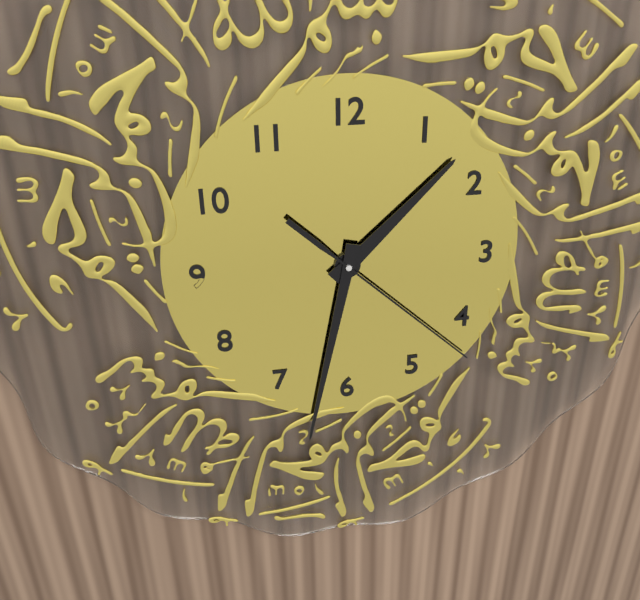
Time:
1:32:22
